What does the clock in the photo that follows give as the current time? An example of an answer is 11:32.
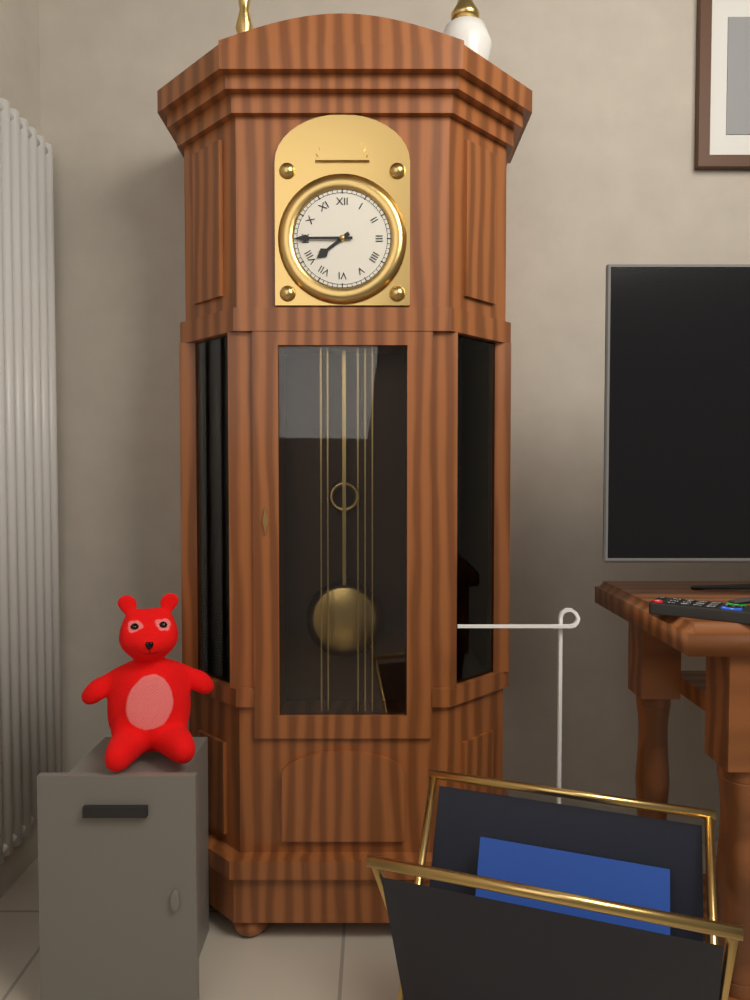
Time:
7:45
